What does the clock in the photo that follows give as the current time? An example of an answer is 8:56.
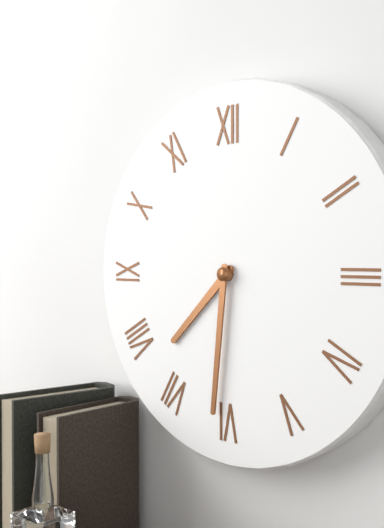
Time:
7:31
